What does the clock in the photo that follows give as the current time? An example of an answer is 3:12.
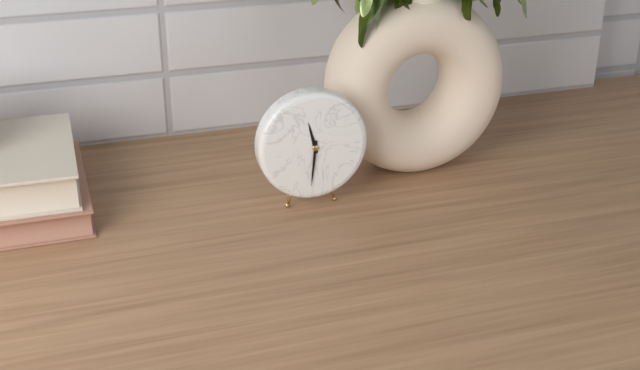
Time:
11:31
